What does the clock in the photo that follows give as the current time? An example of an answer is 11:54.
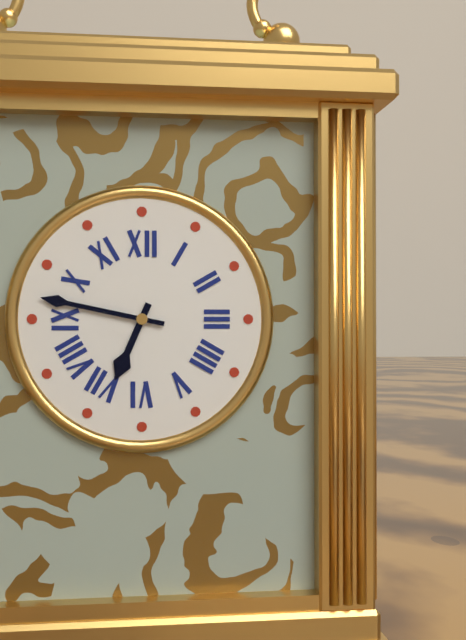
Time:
6:47
